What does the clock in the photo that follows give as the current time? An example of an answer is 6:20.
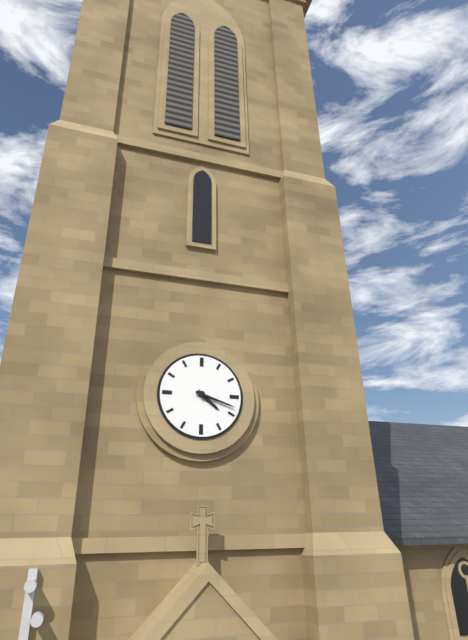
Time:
4:18
